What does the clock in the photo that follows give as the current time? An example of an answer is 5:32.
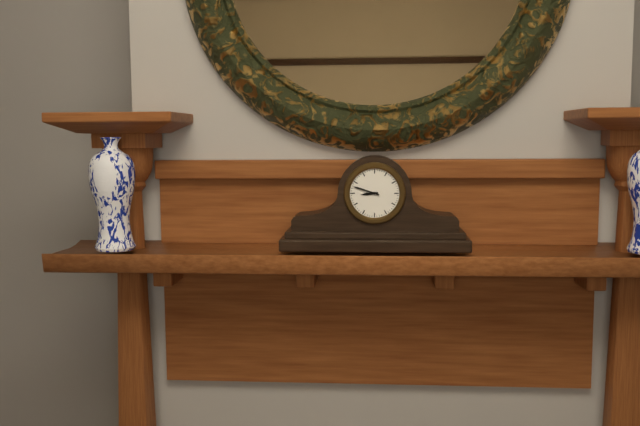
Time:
8:48
